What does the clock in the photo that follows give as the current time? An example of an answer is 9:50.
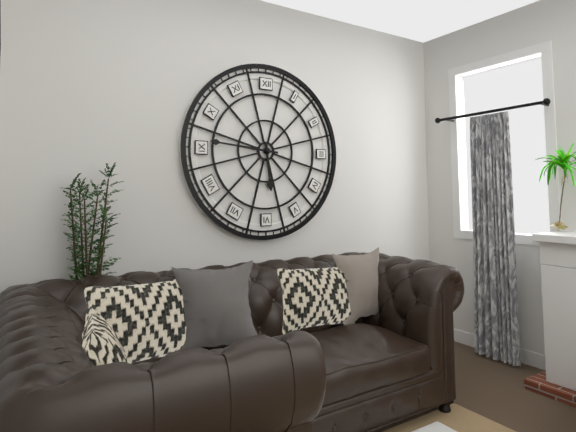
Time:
5:46
